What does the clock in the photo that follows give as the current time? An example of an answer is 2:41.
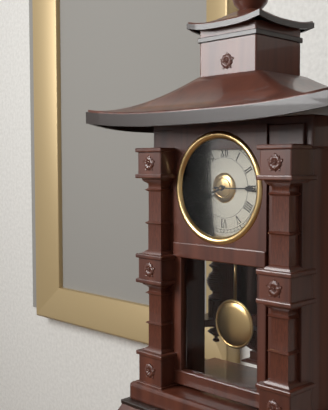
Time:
8:15
